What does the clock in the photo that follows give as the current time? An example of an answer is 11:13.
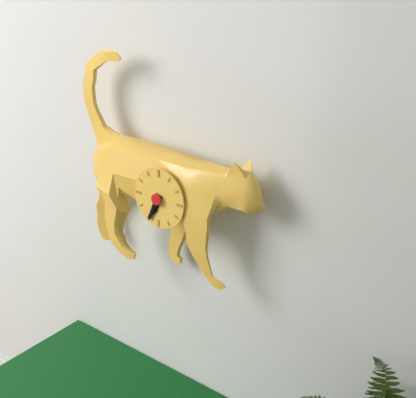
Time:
6:34
